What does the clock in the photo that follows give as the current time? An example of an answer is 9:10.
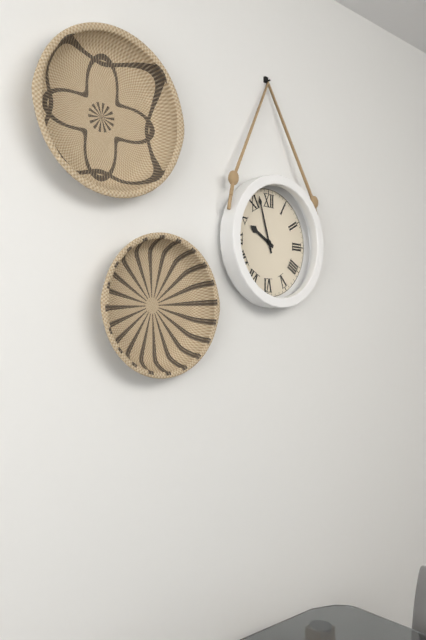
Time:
9:57
